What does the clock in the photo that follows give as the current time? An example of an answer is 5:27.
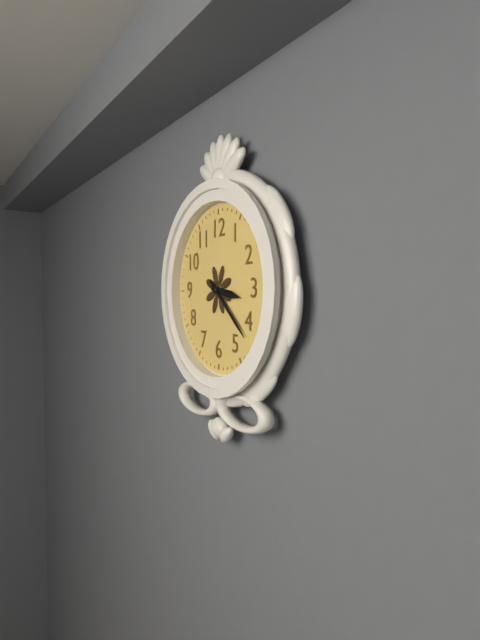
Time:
3:22
